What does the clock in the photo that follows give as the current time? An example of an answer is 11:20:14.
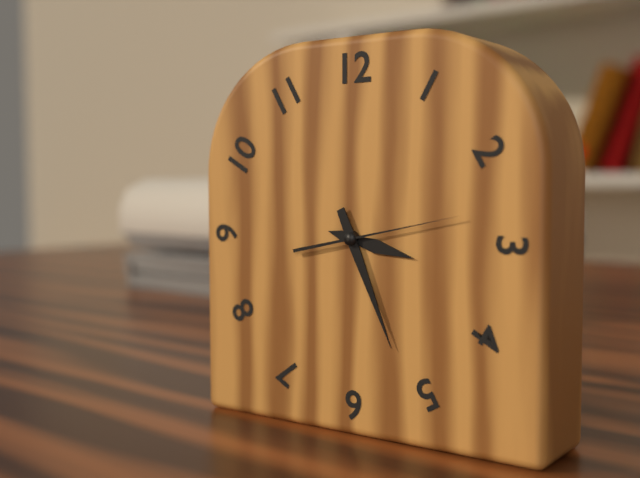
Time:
3:26:13
